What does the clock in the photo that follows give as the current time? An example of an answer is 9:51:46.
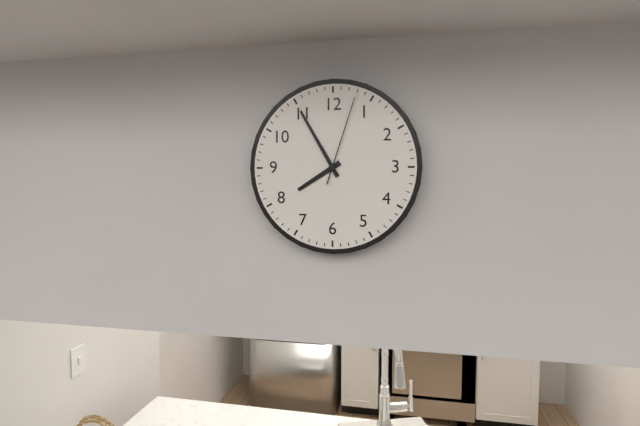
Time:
7:55:03
